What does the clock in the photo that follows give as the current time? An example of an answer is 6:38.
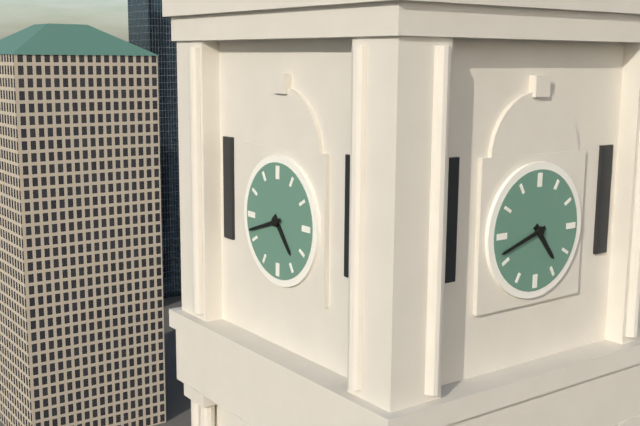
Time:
4:42
